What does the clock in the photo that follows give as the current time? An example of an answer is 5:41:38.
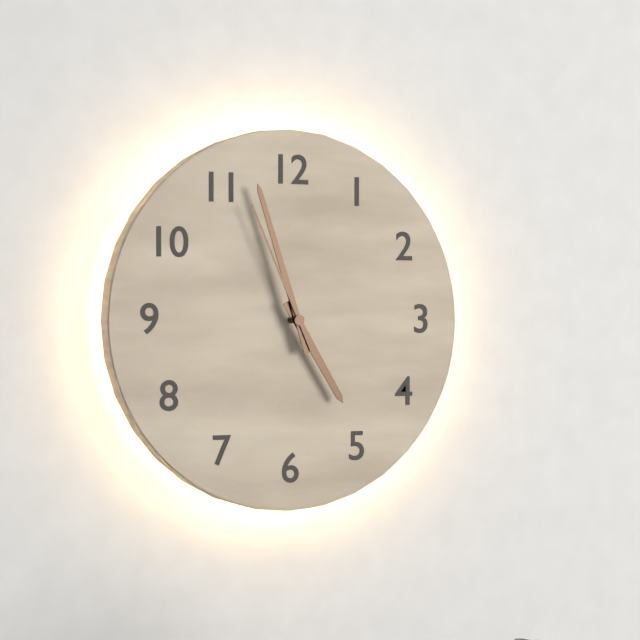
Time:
4:57:56
